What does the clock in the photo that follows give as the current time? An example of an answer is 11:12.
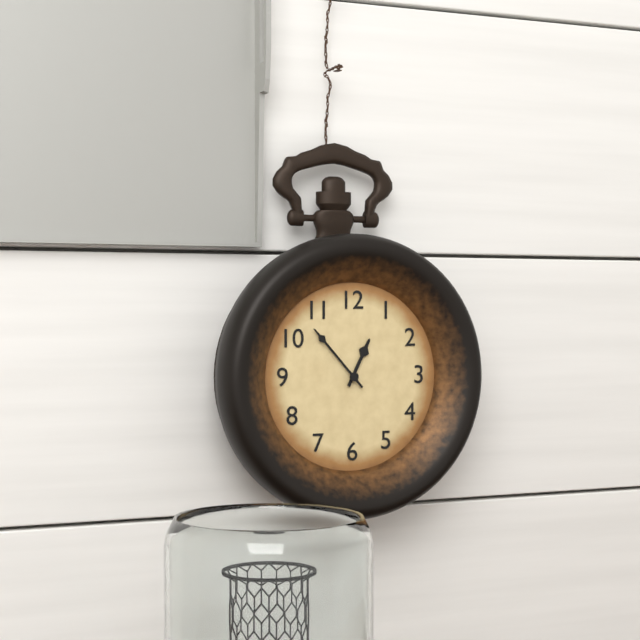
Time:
12:53
